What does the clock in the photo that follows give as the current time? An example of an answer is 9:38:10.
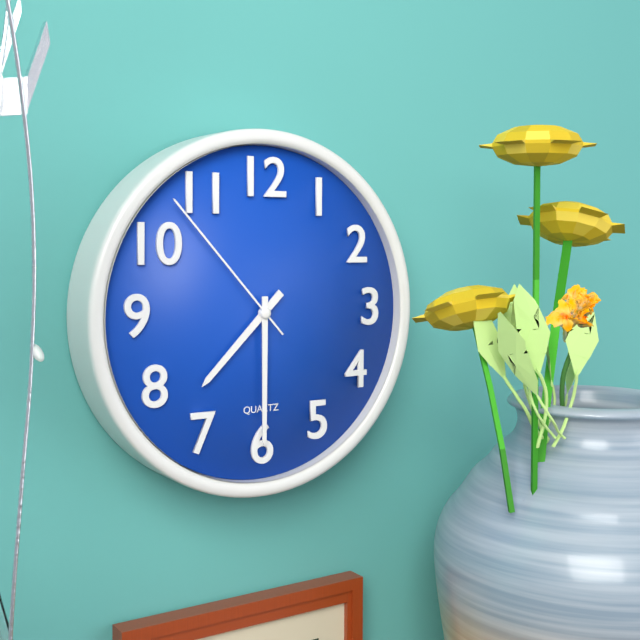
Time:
7:30:53
